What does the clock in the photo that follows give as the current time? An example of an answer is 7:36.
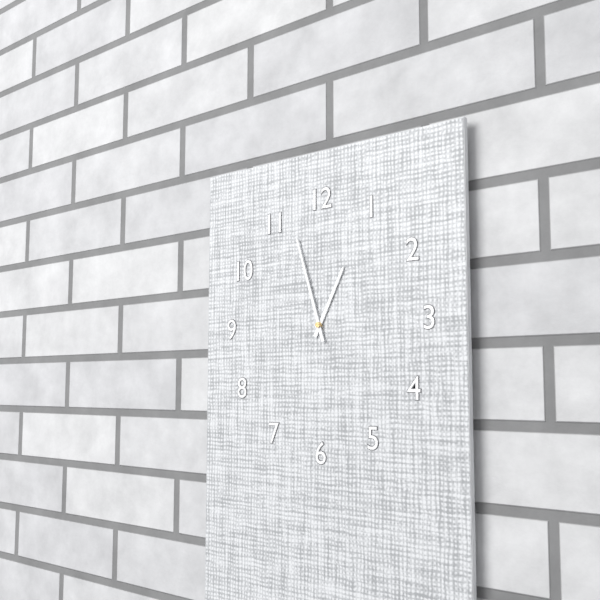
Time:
12:57
